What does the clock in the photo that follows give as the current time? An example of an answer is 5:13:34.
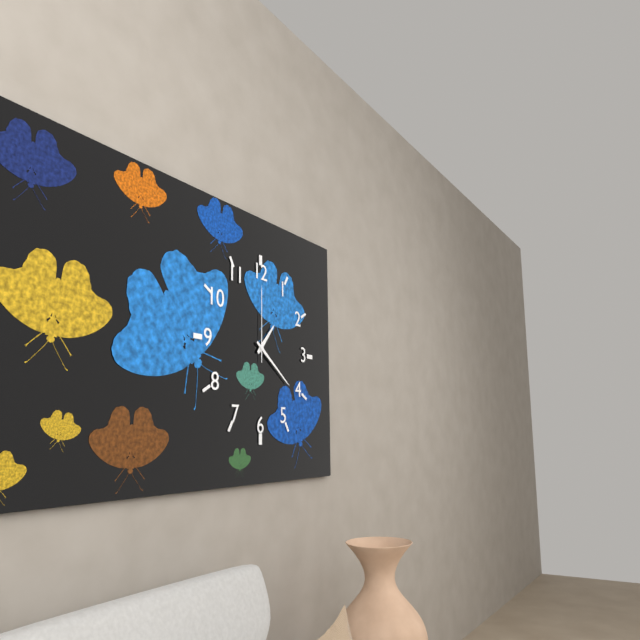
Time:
1:21:00
